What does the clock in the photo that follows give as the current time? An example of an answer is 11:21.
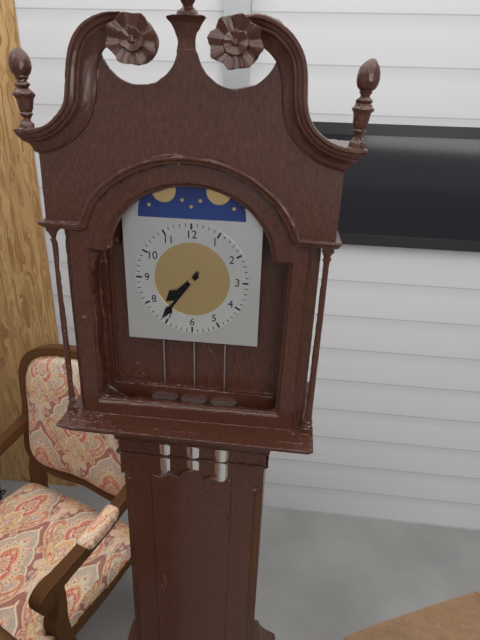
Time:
7:36
